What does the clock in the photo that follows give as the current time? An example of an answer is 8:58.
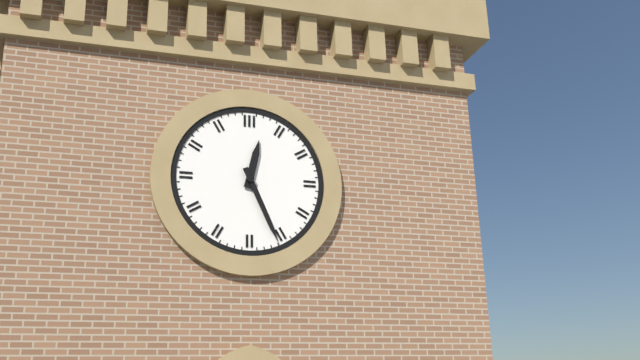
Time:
12:26
